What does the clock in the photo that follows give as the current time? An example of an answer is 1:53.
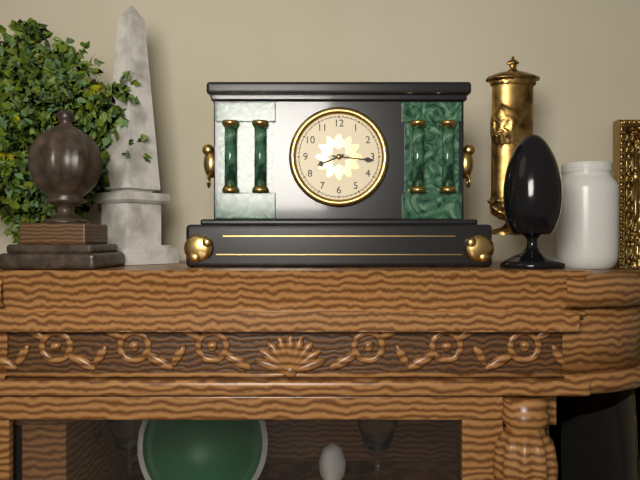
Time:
8:16
